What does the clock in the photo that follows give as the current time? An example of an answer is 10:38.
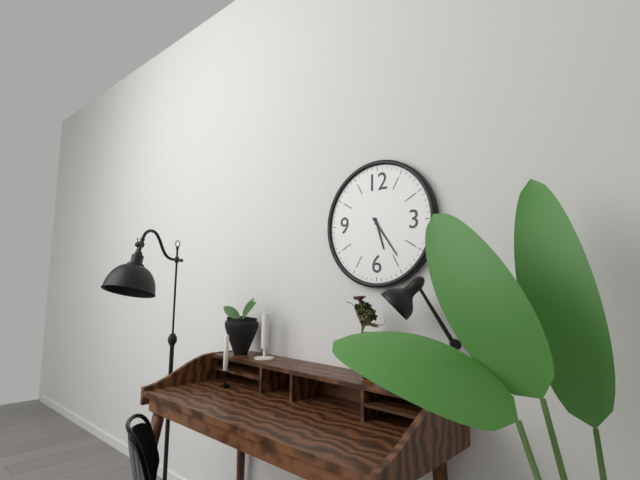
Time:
5:24
